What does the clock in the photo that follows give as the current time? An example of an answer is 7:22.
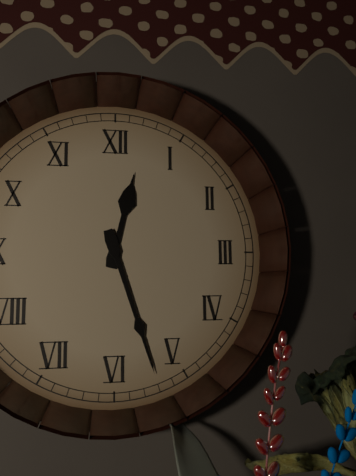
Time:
12:27
